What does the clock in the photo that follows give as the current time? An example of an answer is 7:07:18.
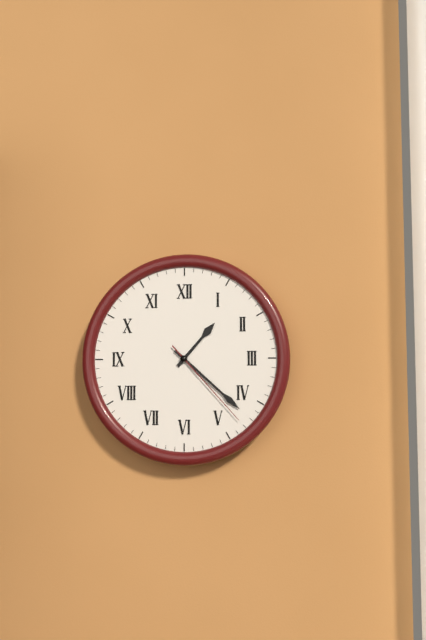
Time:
1:22:23
